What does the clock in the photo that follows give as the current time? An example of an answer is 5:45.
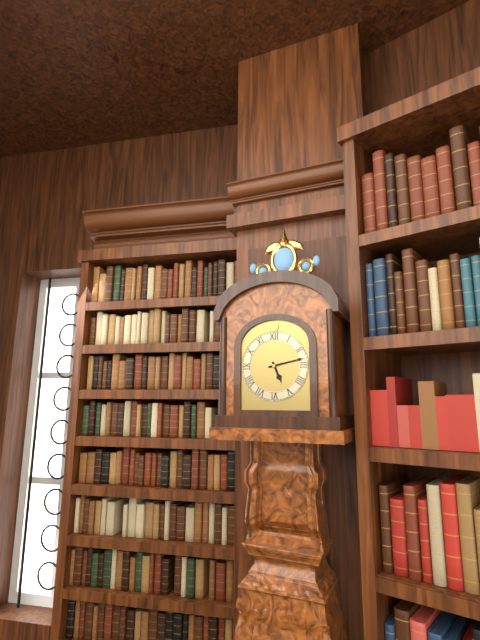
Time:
5:13
